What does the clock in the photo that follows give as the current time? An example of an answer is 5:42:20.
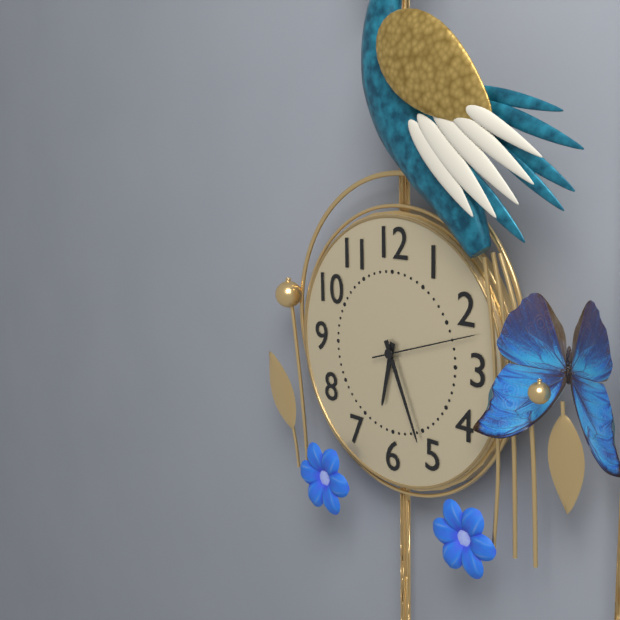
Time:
6:26:12
